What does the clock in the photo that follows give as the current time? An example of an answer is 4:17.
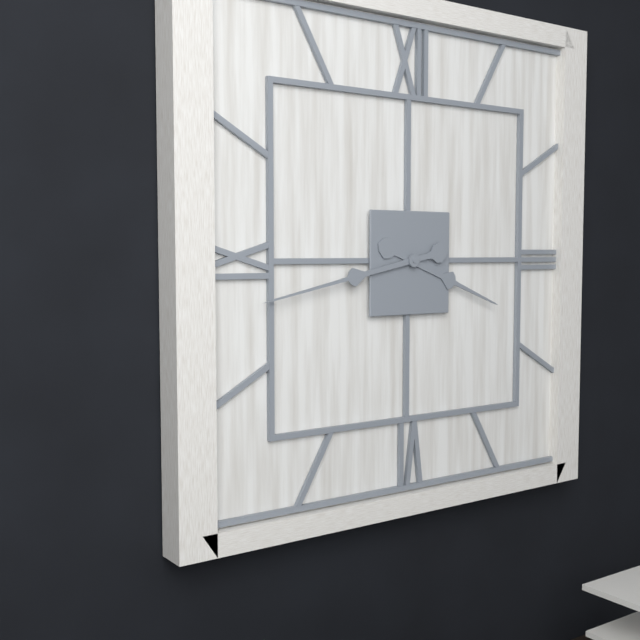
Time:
3:43
